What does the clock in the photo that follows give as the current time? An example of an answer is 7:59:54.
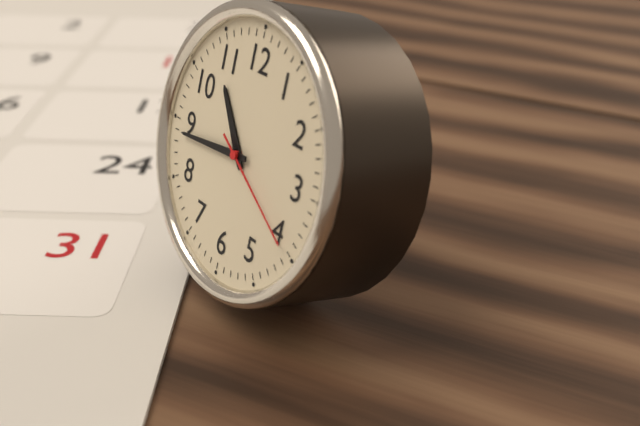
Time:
10:44:20
